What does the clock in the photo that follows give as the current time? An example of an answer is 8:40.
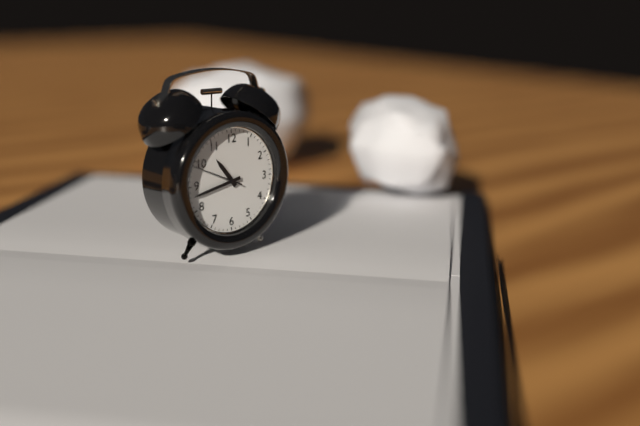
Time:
10:43
